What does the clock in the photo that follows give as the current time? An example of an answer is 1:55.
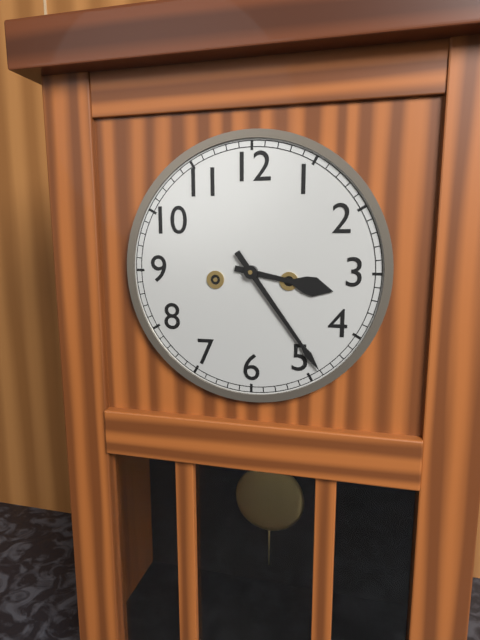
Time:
3:24
